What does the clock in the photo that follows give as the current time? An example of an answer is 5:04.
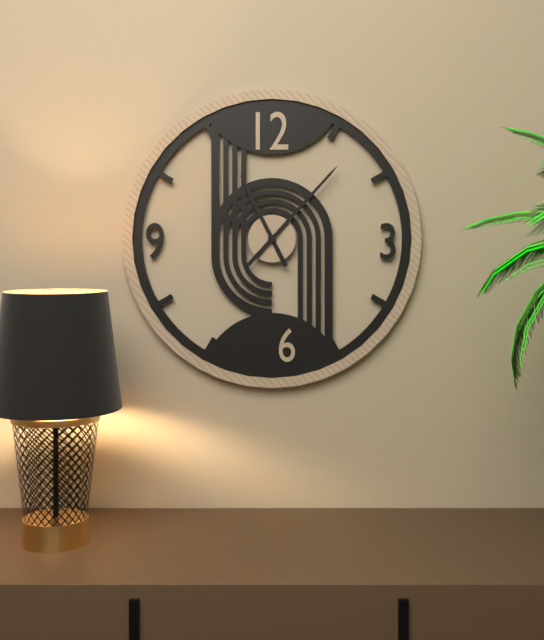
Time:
11:07
